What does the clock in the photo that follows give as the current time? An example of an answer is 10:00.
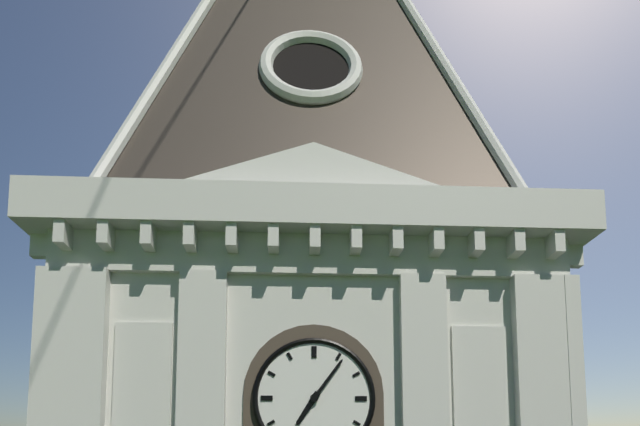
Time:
7:06
